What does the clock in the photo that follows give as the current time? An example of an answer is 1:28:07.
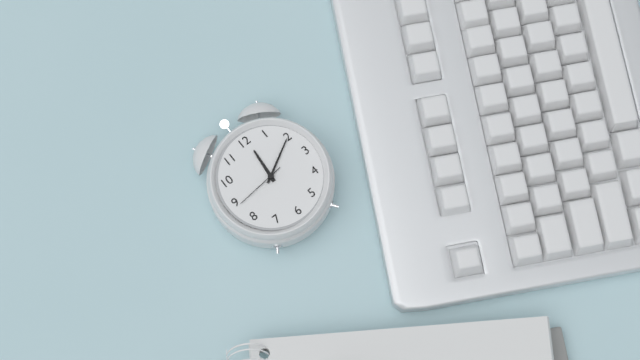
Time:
12:10:44
